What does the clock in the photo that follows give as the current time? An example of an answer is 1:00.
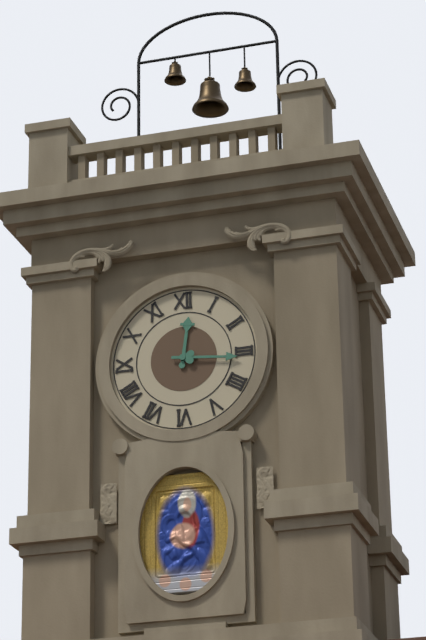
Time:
12:16
